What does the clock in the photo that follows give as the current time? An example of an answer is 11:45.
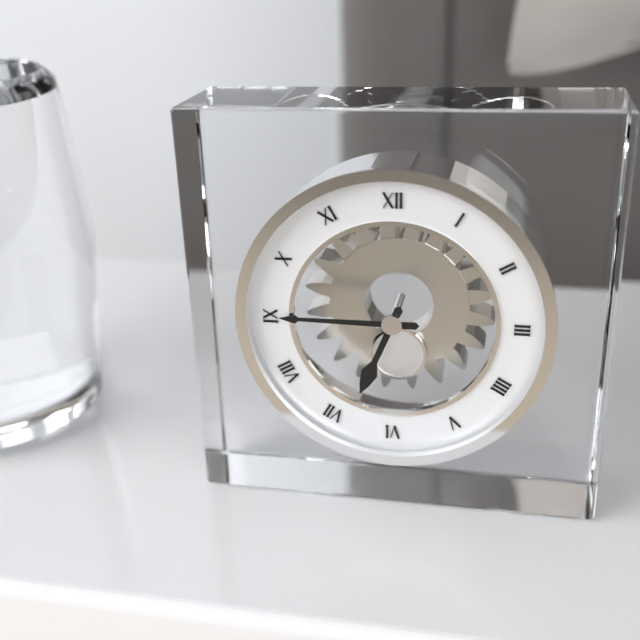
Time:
6:45
